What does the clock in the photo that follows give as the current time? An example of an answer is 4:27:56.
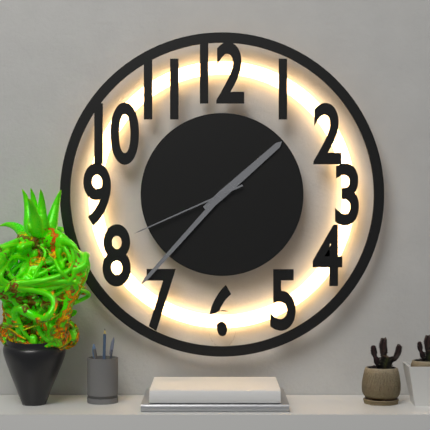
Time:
1:37:41
